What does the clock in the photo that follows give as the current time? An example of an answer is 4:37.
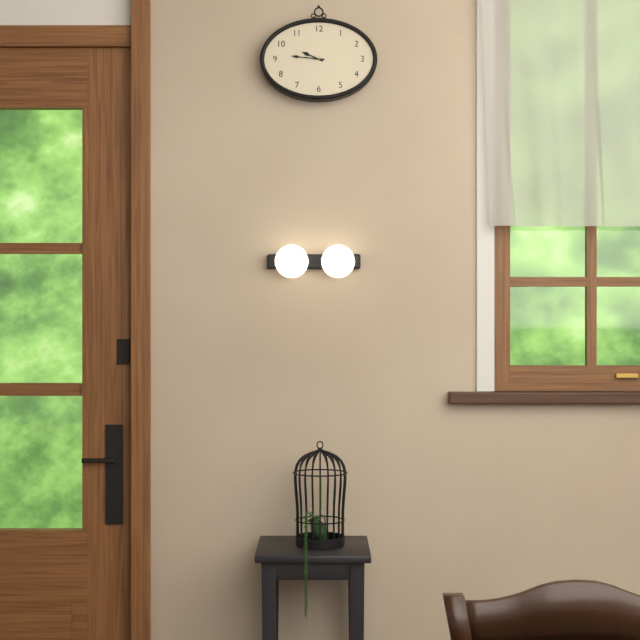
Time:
9:46
